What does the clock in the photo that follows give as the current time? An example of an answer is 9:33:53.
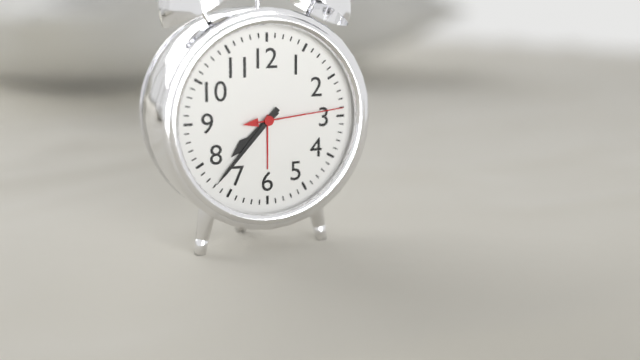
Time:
7:37:14
